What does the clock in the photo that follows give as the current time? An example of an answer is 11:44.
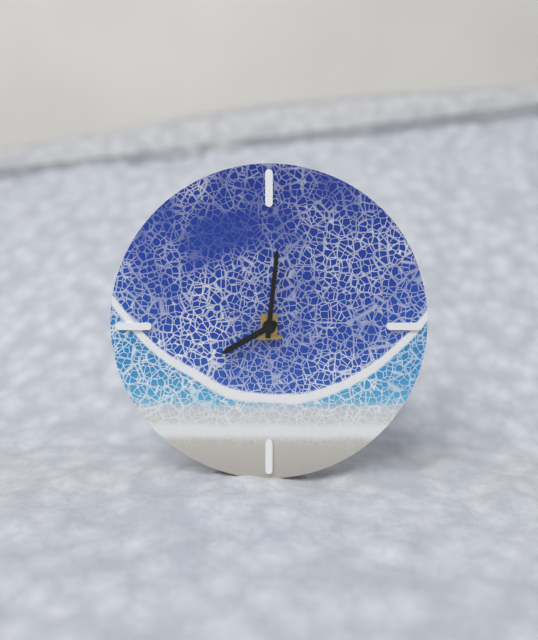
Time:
8:01
